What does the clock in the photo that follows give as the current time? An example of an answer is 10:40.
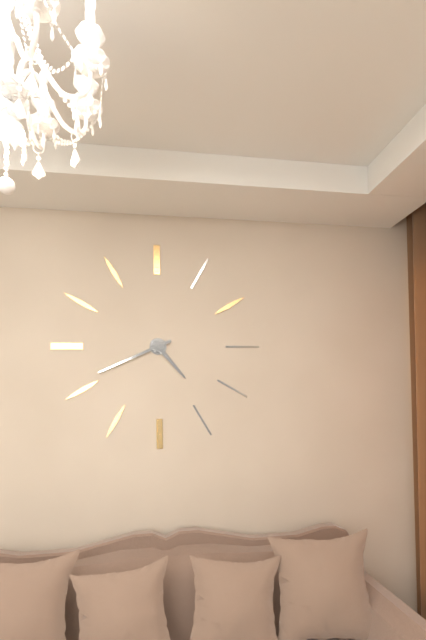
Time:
4:41
